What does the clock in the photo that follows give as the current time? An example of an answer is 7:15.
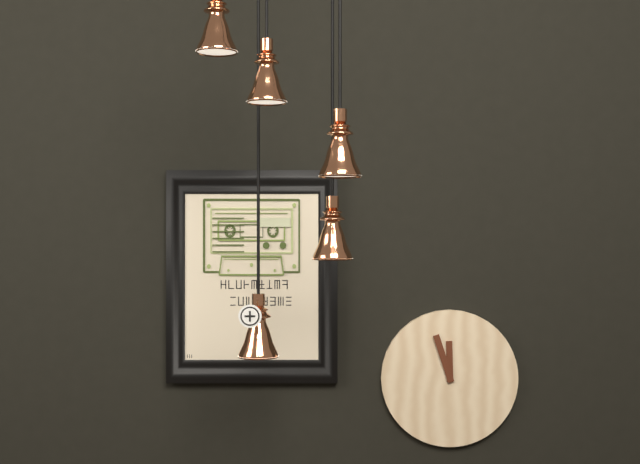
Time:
11:57
